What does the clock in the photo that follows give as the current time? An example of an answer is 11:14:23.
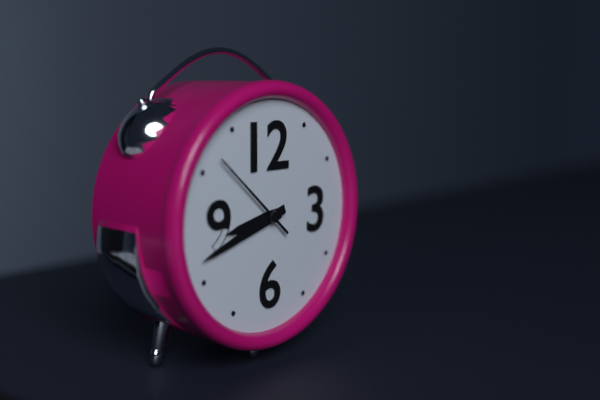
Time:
8:42:52
